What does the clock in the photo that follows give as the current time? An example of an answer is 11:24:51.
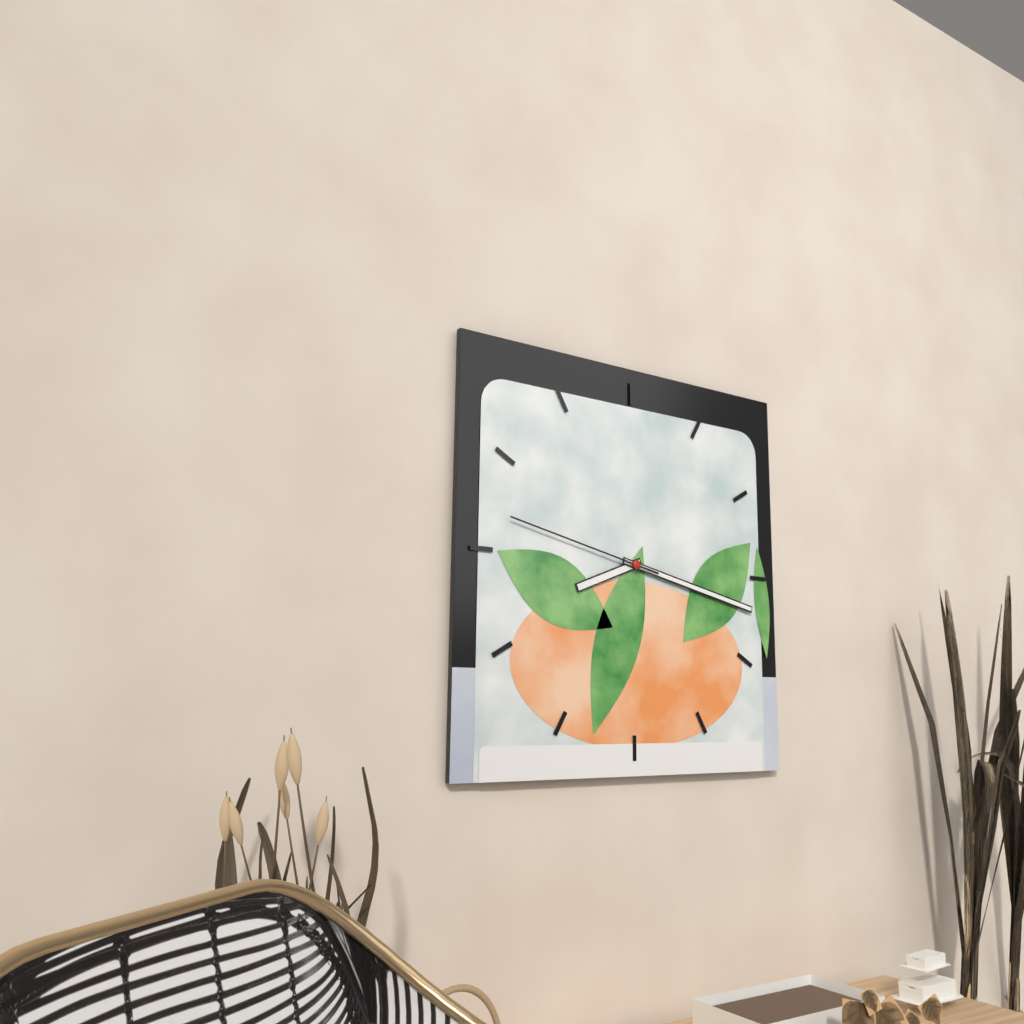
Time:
8:17:47
